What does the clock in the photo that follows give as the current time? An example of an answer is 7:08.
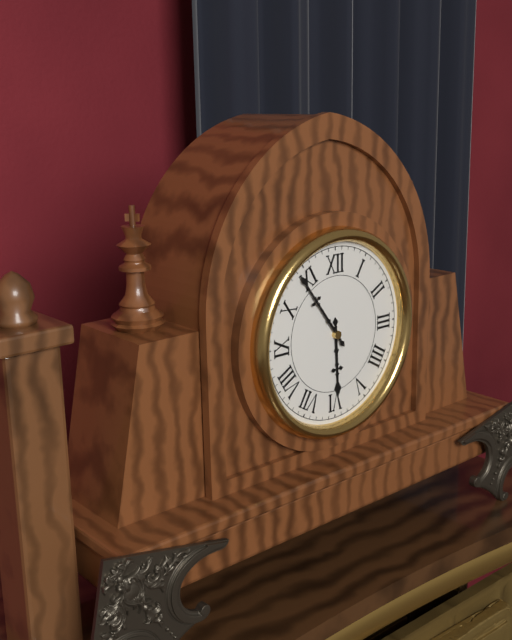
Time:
5:54
